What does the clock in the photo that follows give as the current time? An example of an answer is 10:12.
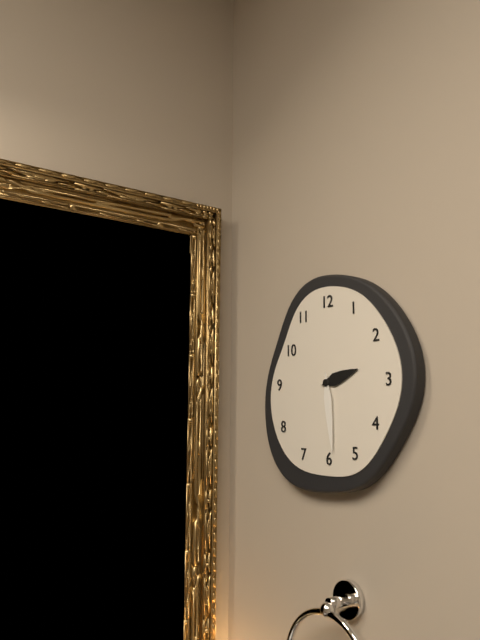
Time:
2:29
